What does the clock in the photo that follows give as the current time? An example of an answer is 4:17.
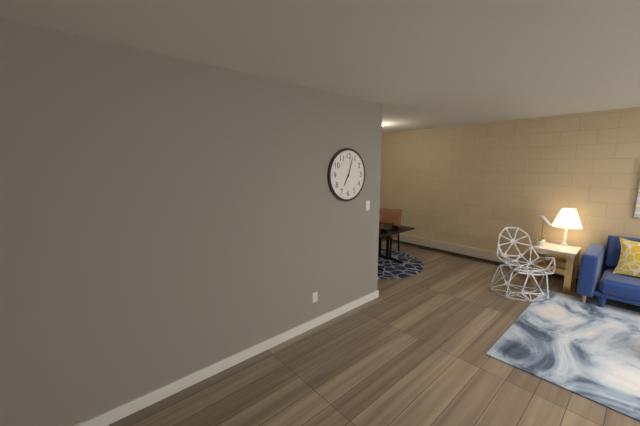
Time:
7:03
